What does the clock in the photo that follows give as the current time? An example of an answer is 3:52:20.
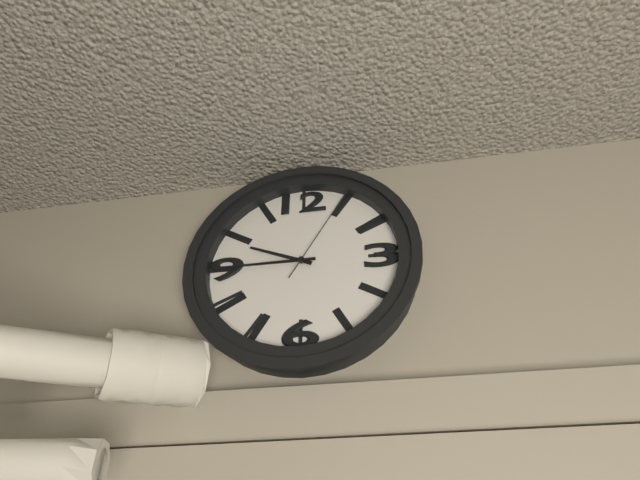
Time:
9:45:05
